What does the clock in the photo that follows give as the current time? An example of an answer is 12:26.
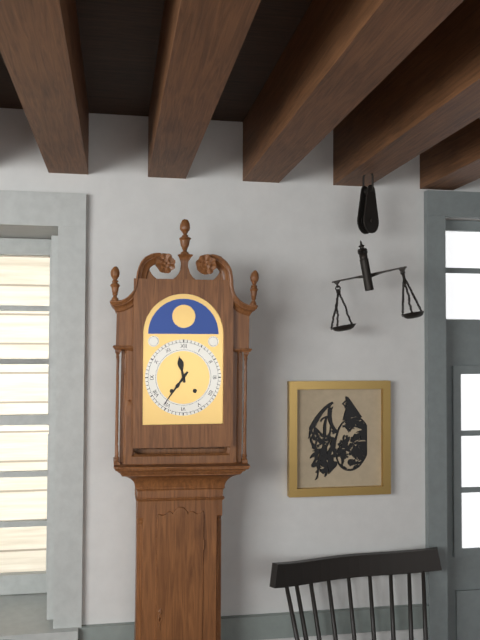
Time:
11:36
